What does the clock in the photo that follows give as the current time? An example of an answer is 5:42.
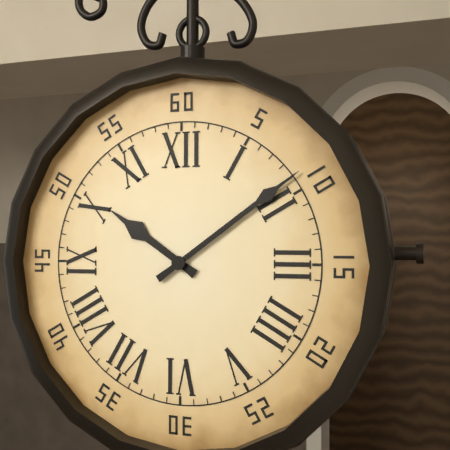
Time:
10:09
